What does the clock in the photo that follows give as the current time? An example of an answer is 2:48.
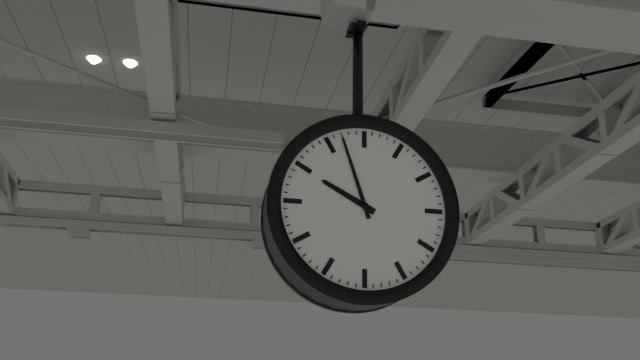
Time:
9:57
